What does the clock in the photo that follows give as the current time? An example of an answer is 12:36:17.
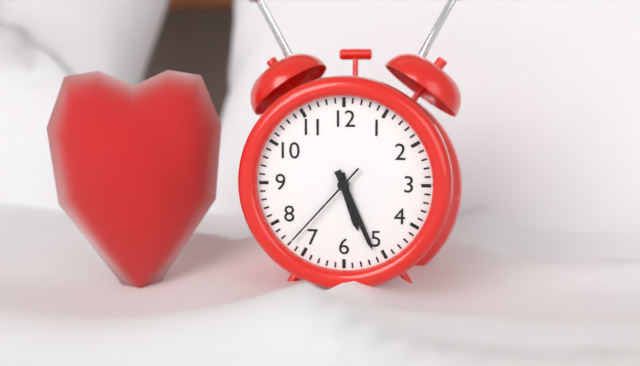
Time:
5:26:37
